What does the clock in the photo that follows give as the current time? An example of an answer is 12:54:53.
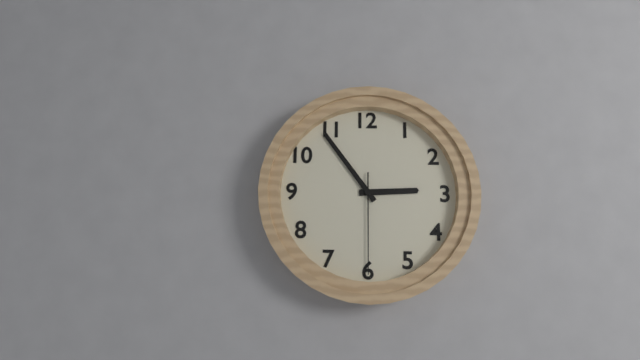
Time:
2:54:30
